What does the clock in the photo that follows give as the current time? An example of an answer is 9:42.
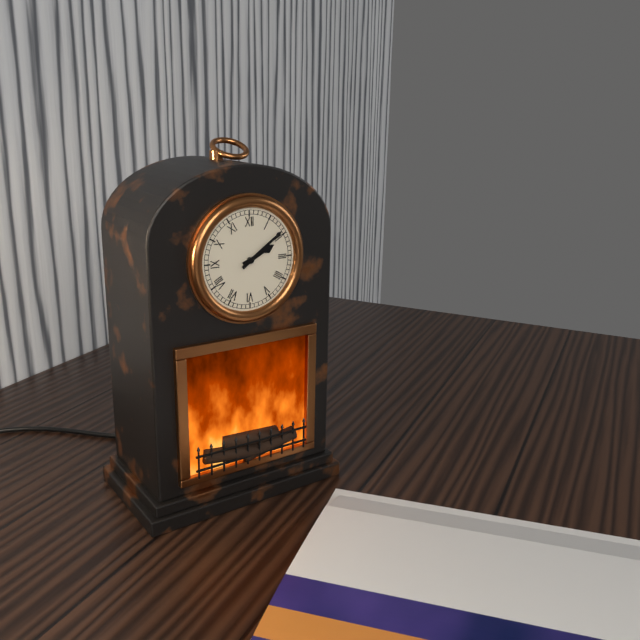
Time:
2:09
